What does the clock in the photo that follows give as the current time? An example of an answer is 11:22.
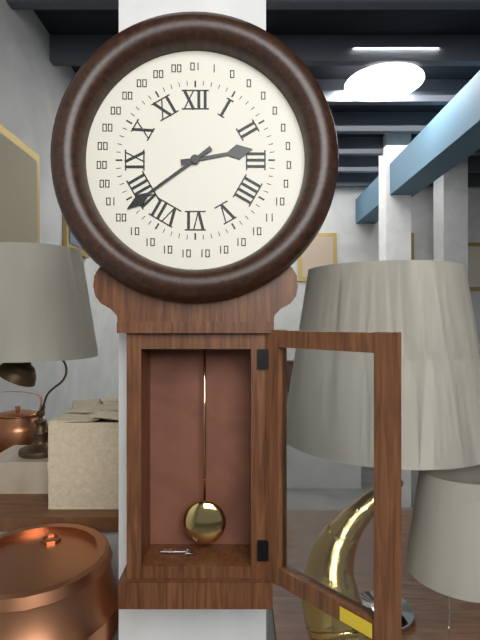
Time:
2:39
